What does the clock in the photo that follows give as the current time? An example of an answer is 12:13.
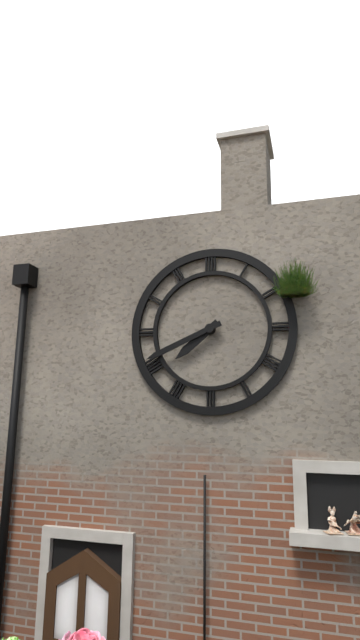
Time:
7:41
